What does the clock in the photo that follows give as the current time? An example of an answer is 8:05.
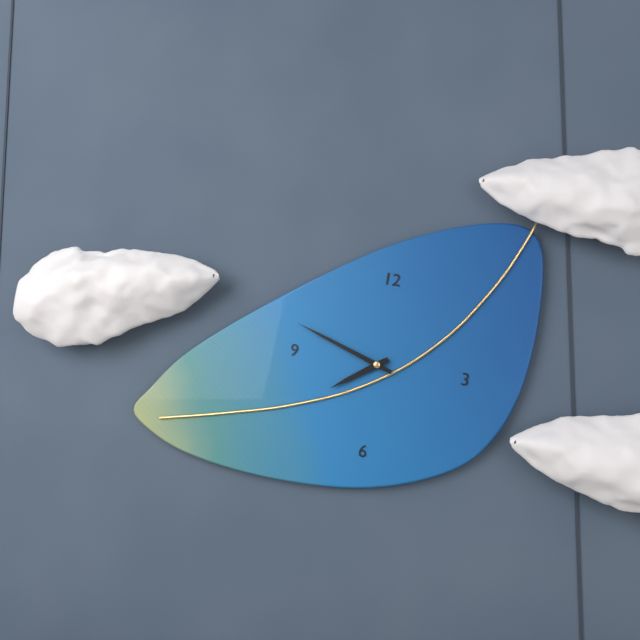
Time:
7:48
